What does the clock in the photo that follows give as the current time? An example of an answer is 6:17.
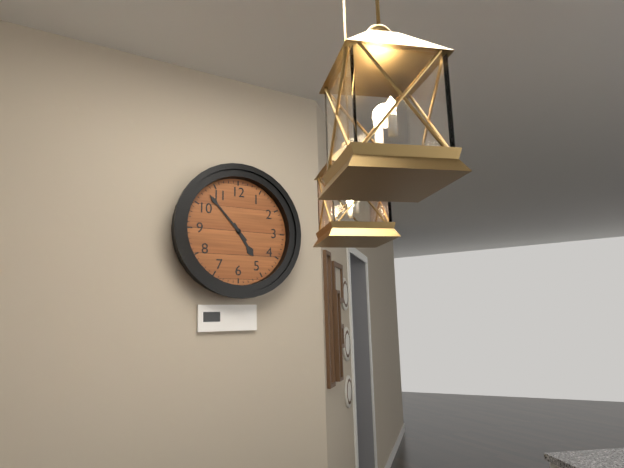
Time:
4:53
